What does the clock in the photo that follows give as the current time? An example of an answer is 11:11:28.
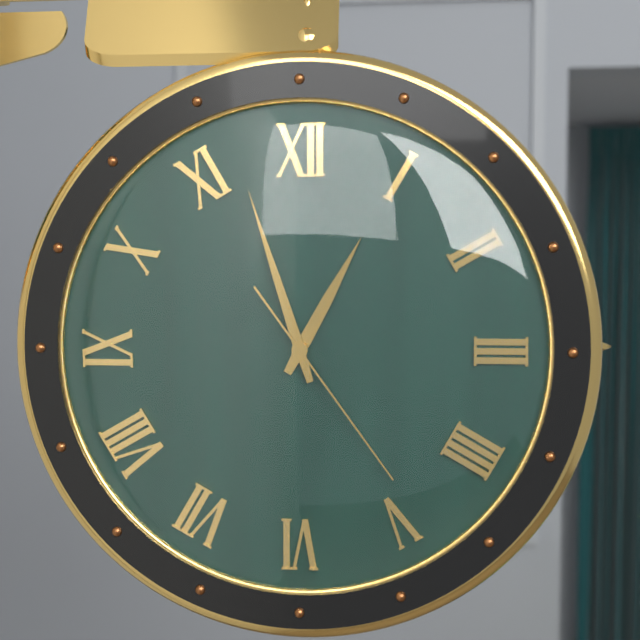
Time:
12:57:24
